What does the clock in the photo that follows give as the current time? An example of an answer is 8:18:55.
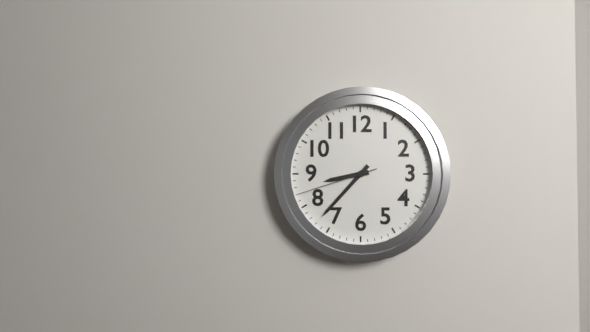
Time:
8:37:42
